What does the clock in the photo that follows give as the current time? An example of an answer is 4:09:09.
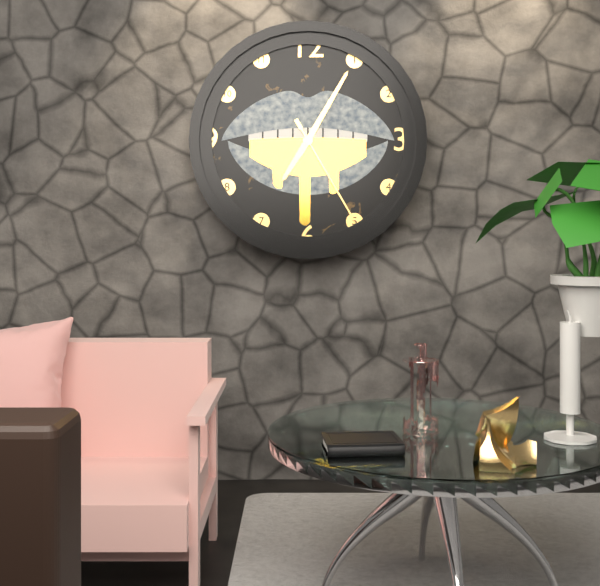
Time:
7:05:25
